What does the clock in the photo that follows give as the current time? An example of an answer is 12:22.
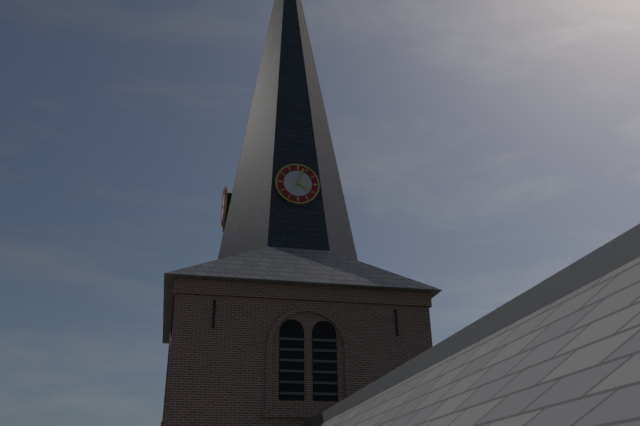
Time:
4:03
